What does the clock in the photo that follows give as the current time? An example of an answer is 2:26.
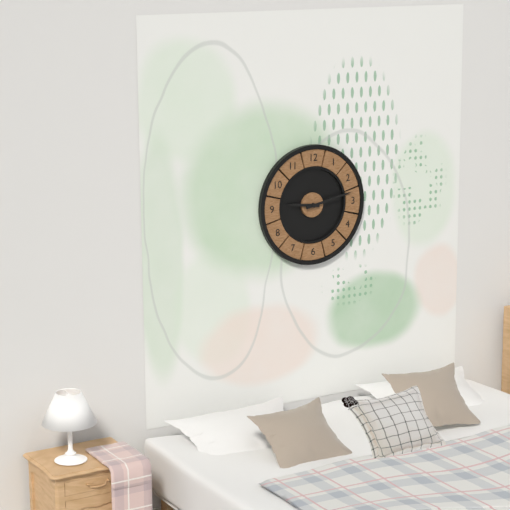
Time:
9:13
